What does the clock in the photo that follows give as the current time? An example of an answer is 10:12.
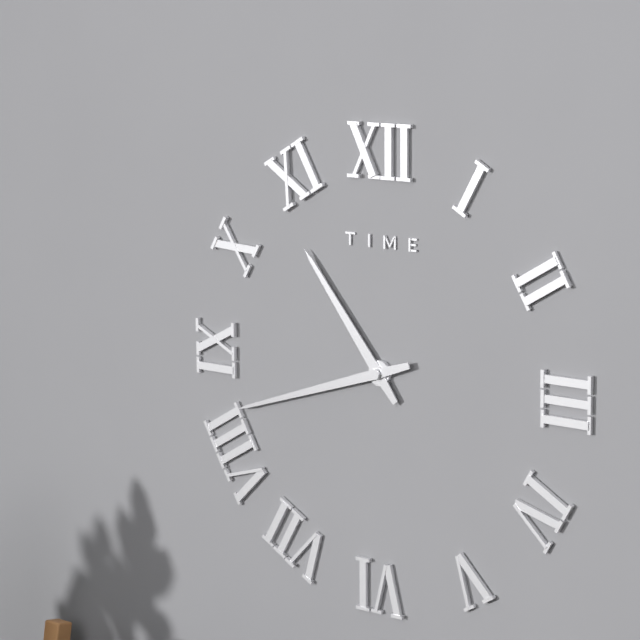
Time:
10:42
